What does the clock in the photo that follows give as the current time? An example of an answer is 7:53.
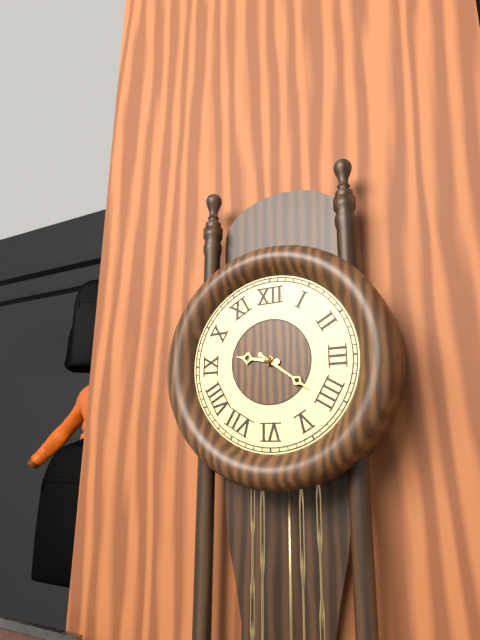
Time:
9:21
